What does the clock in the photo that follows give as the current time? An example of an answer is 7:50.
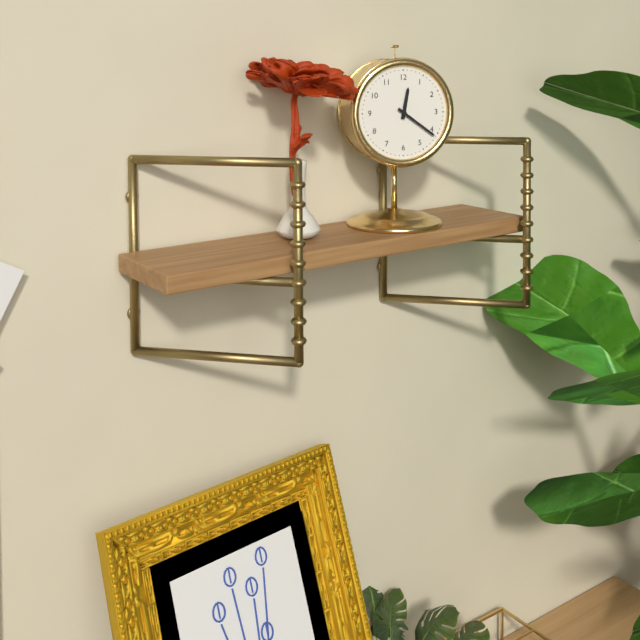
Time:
12:21
